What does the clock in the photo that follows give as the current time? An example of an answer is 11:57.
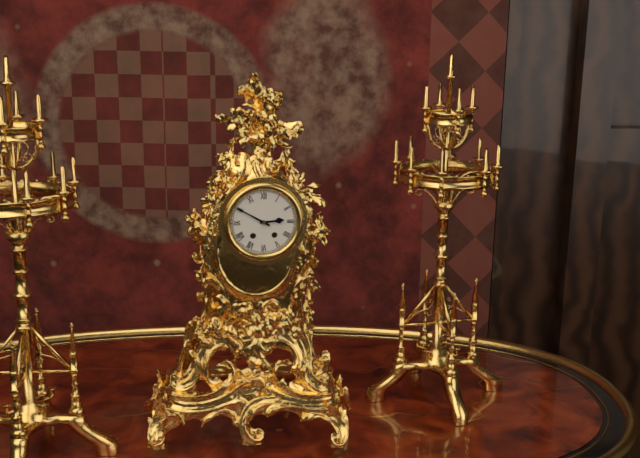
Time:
2:50
